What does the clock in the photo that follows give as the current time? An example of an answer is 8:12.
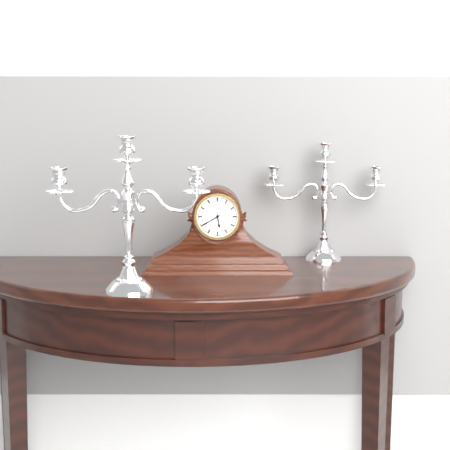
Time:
5:40
